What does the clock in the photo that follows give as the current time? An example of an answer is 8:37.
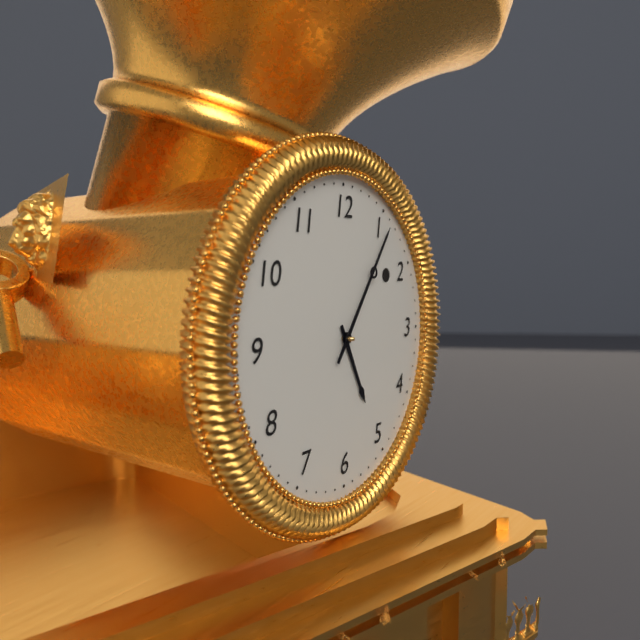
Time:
5:06
